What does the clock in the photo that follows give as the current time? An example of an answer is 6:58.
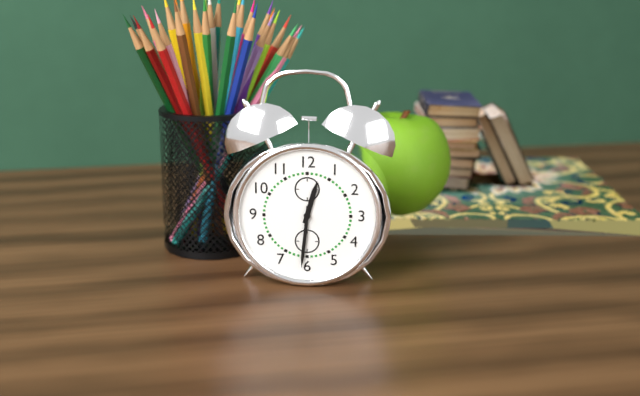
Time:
12:31
